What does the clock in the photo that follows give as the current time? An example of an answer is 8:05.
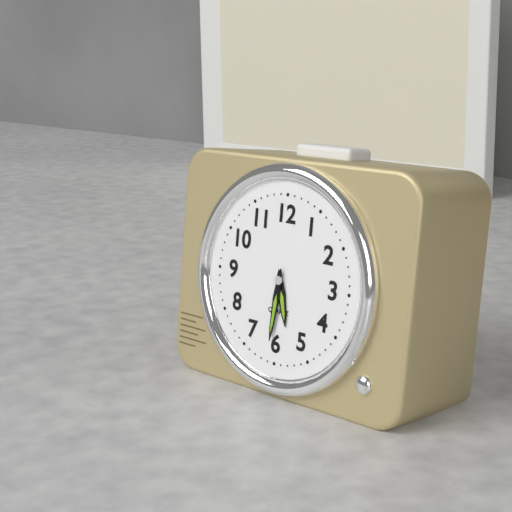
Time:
5:31
